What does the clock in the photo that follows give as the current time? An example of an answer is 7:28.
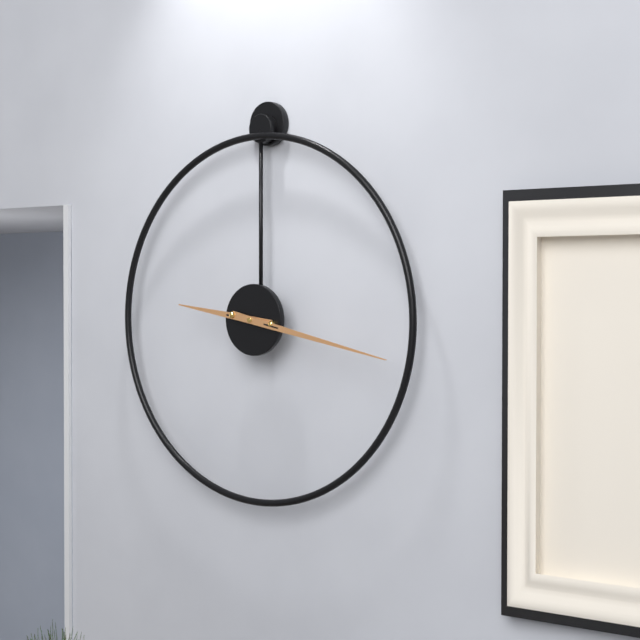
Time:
9:17
